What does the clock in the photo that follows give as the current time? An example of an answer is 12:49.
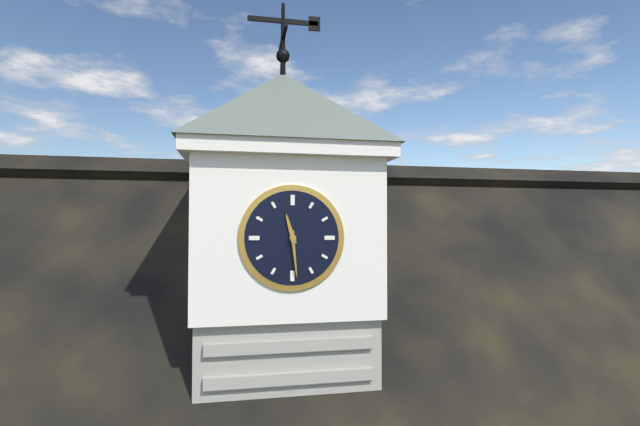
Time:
11:29
